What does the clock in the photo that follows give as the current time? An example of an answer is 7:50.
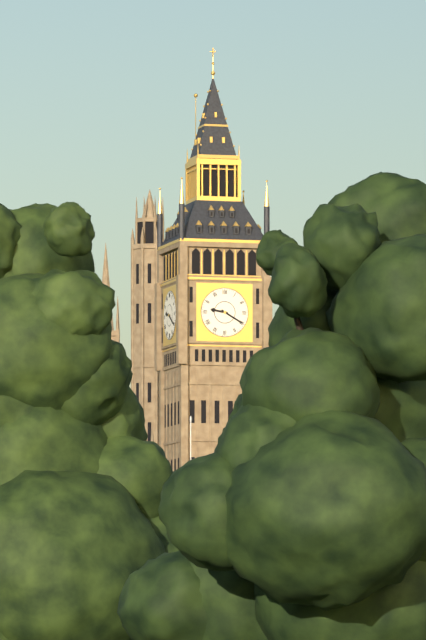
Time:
9:20
